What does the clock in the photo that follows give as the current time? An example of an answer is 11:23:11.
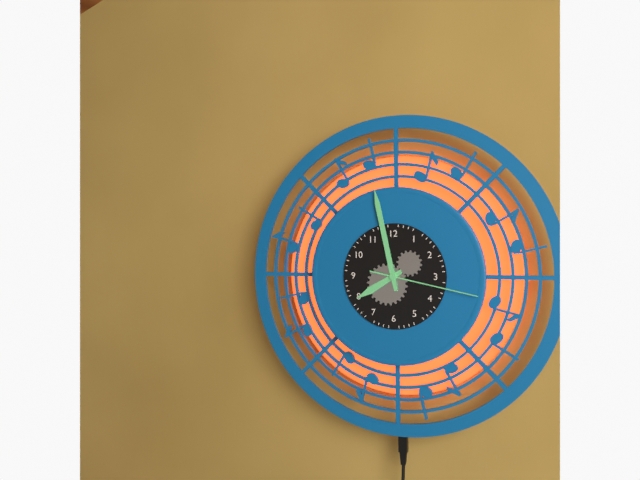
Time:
7:58:17
